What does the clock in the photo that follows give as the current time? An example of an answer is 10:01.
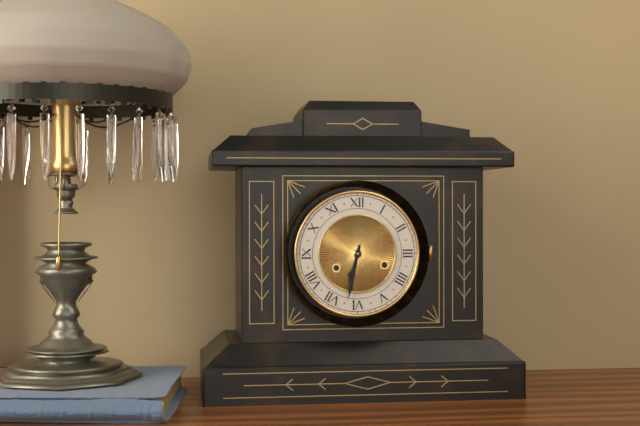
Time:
6:32
